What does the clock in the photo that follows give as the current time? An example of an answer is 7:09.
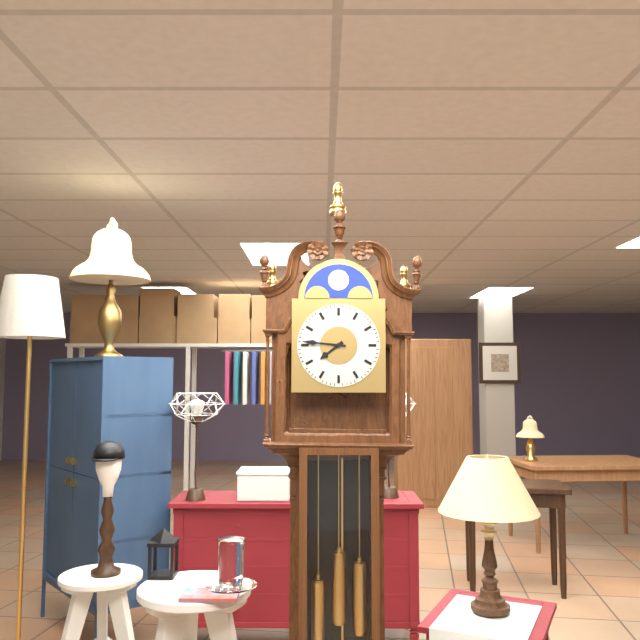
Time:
7:46
